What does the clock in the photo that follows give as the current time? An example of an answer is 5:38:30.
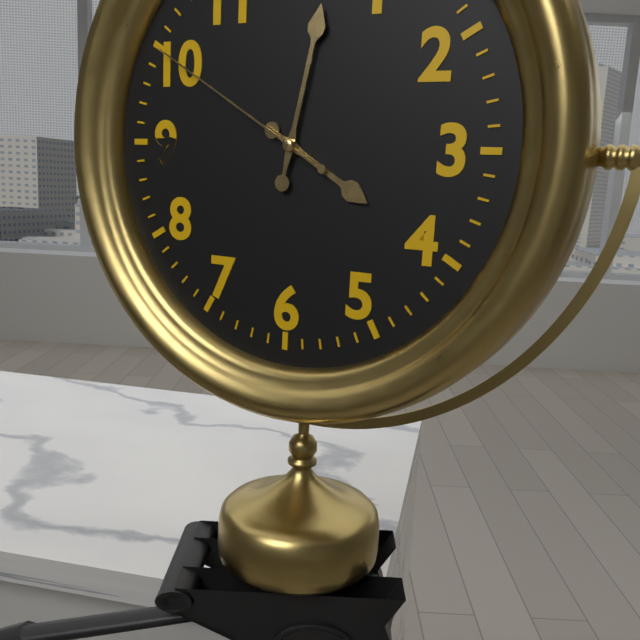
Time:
4:02:50
